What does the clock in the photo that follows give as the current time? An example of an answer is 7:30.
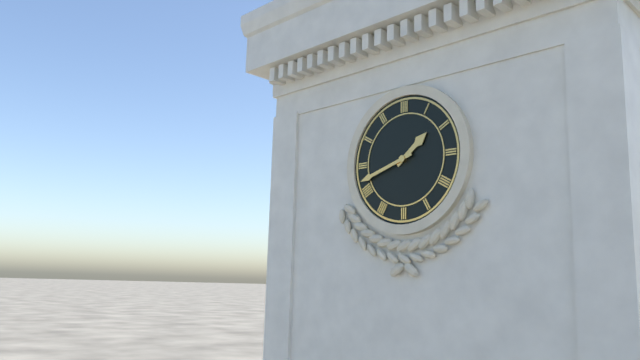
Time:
1:42
